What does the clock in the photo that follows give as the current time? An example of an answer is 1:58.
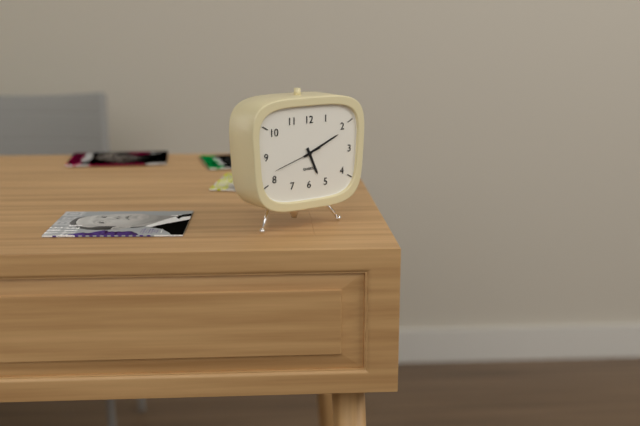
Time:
5:11
